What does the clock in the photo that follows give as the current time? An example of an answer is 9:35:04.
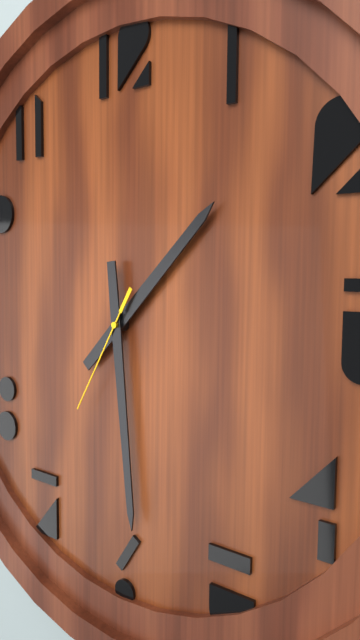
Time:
1:29:35
